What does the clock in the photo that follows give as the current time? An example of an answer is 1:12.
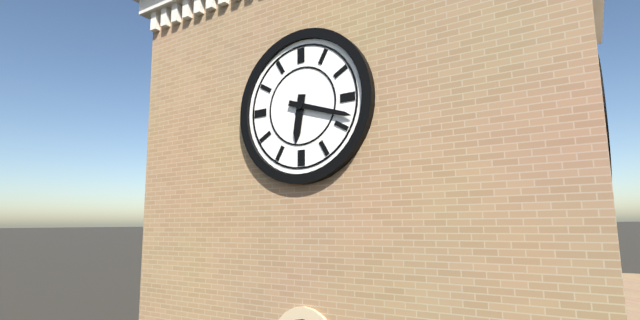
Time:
6:18
